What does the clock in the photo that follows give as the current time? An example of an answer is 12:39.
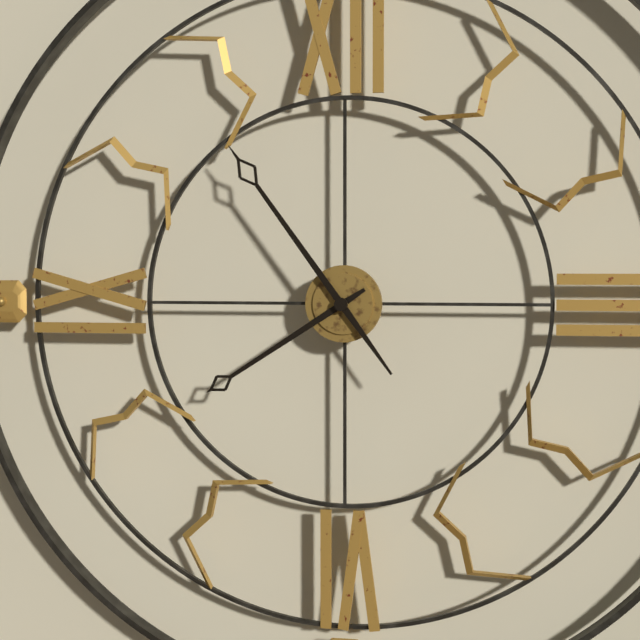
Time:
7:54
